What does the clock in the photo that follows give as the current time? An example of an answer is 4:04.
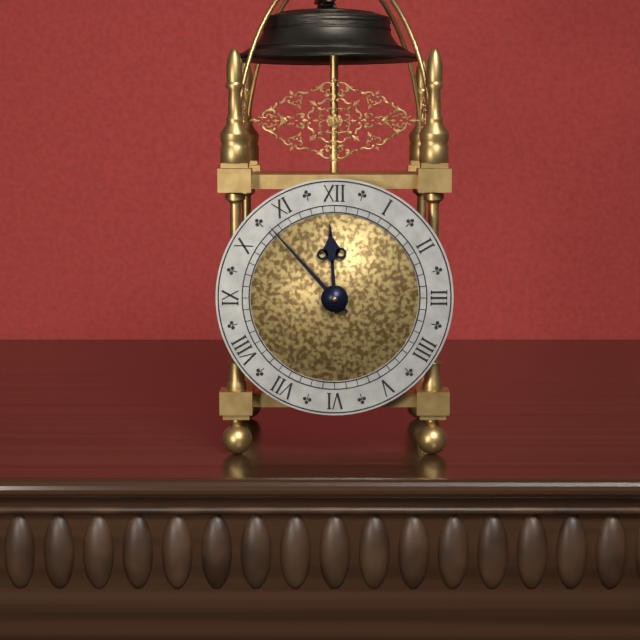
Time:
11:53
